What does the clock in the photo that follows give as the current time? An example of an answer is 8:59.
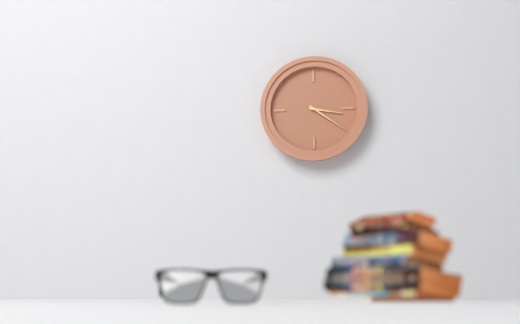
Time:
3:21
